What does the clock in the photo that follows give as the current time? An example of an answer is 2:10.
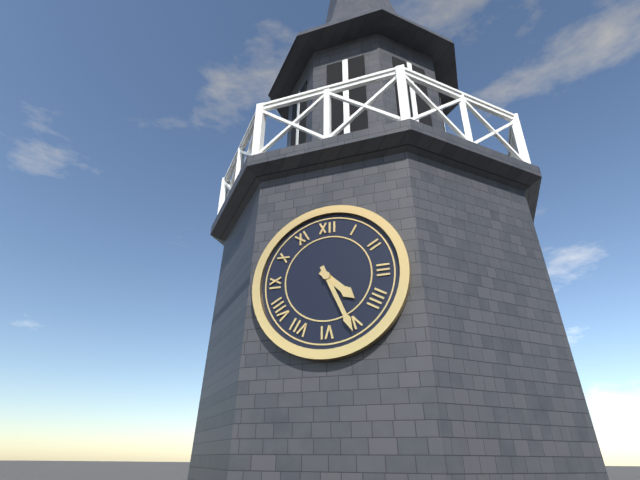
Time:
4:26
